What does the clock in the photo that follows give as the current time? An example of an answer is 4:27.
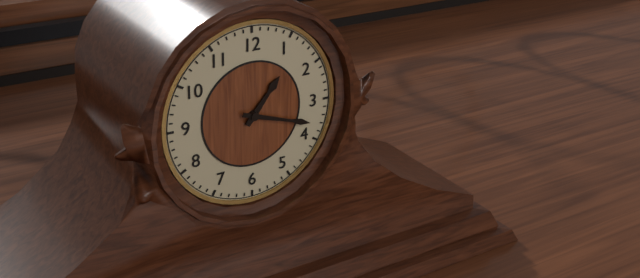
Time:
1:18
